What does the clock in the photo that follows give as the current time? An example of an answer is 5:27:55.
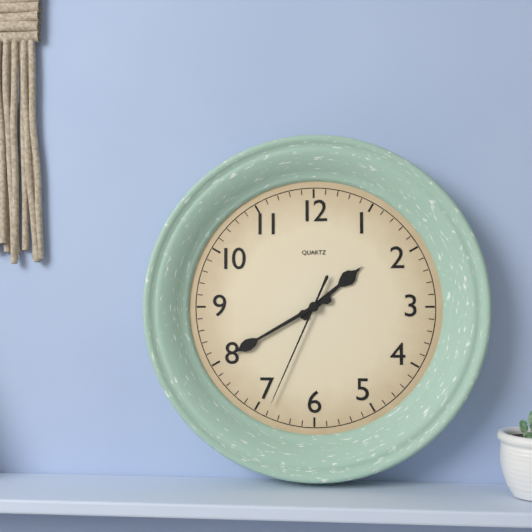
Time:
1:40:34
